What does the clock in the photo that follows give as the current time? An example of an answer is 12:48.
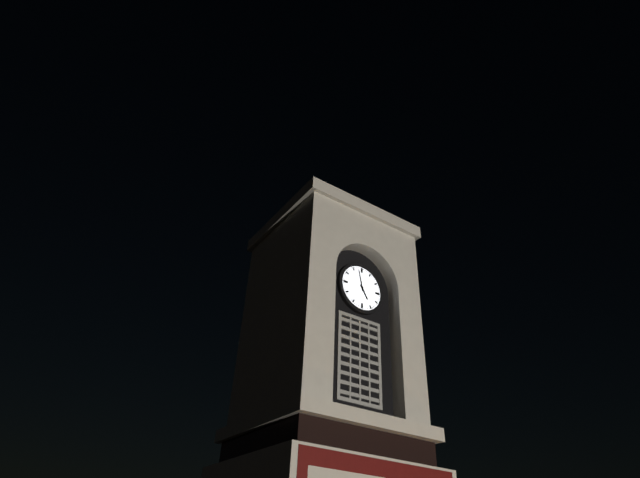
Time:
4:58
